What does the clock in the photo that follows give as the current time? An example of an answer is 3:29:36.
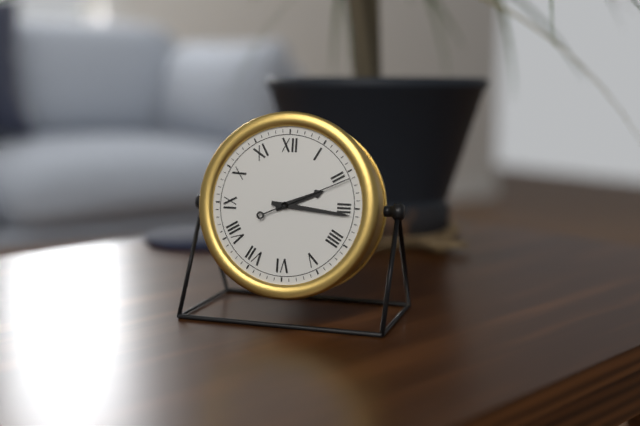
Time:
2:16:11
